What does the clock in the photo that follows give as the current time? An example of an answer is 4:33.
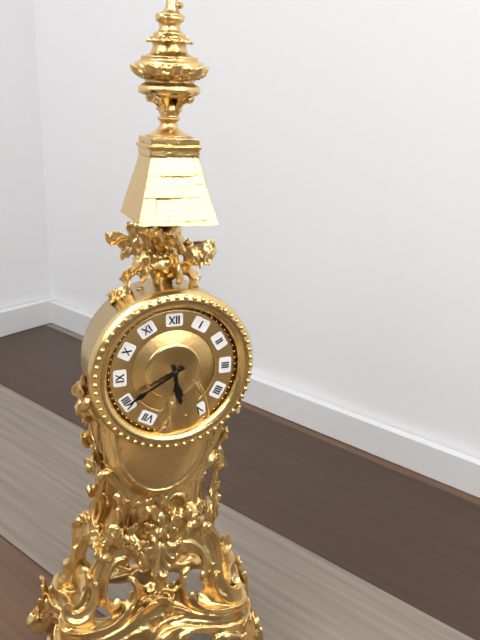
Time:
5:40
